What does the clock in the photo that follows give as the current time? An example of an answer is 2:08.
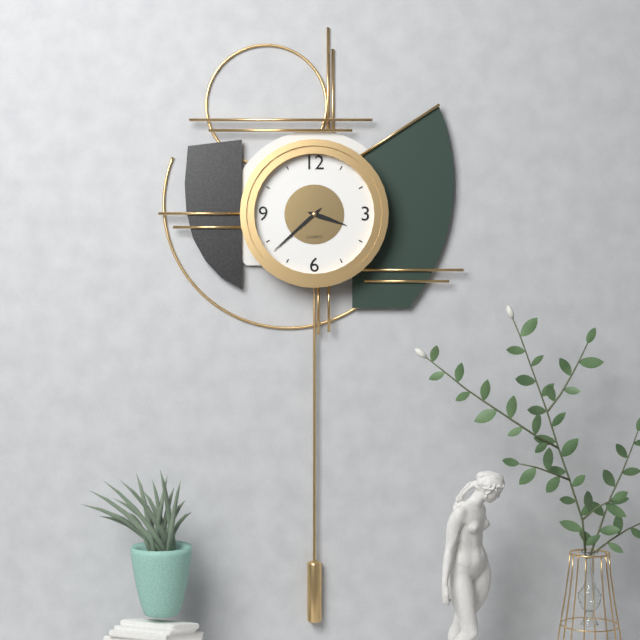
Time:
3:38
